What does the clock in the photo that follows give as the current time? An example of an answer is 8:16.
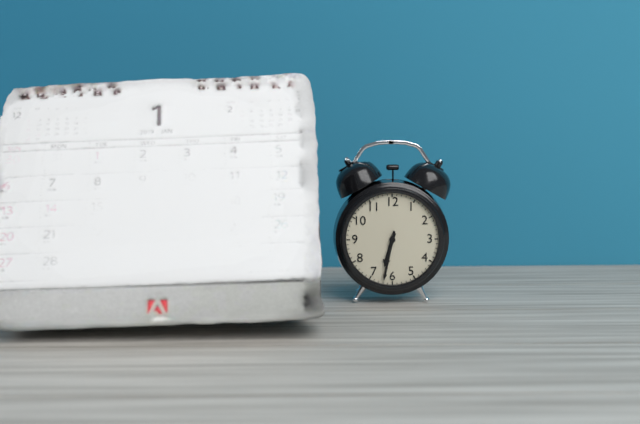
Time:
6:32
